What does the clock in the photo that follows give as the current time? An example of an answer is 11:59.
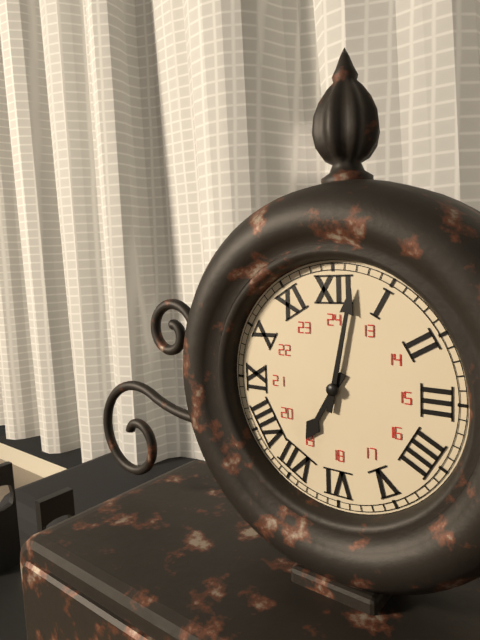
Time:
7:02
